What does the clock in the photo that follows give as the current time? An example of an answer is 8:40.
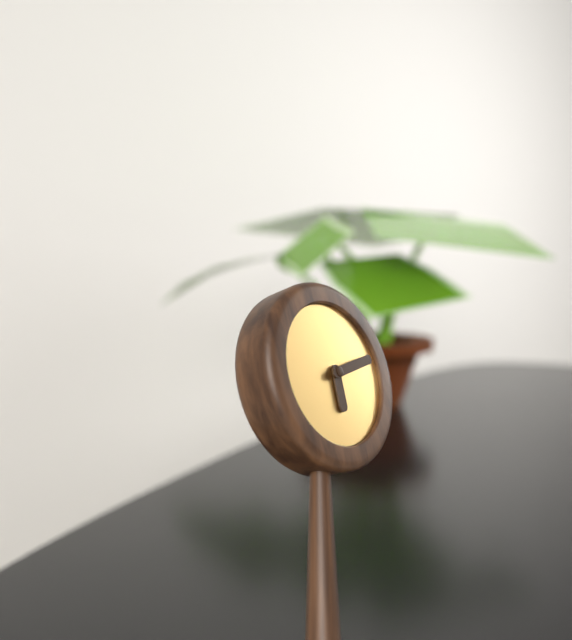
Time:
6:14
